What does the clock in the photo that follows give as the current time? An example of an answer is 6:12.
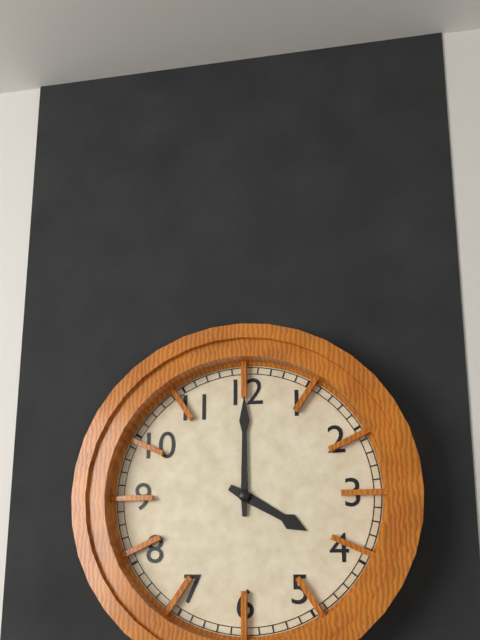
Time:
4:00
